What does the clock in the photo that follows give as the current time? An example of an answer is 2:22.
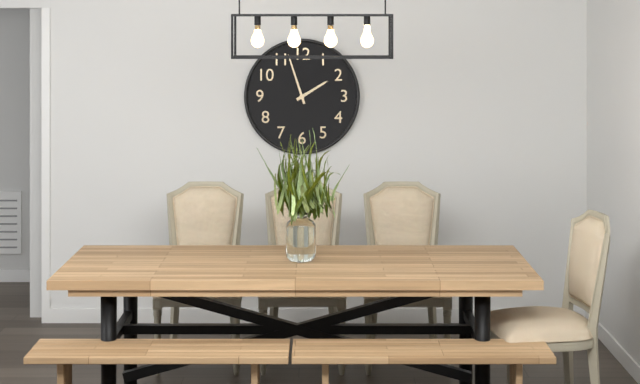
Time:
1:57
